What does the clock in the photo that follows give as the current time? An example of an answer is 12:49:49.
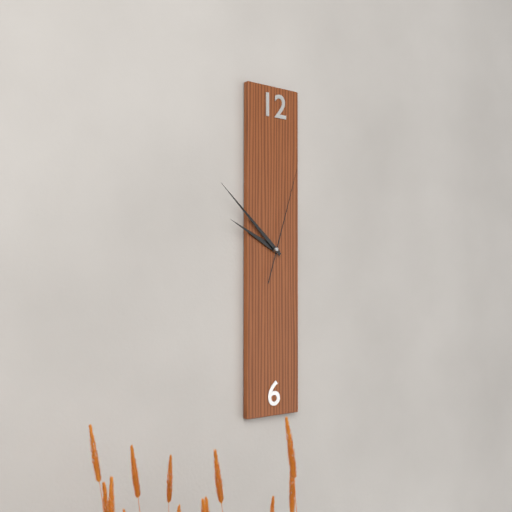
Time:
9:52:03
